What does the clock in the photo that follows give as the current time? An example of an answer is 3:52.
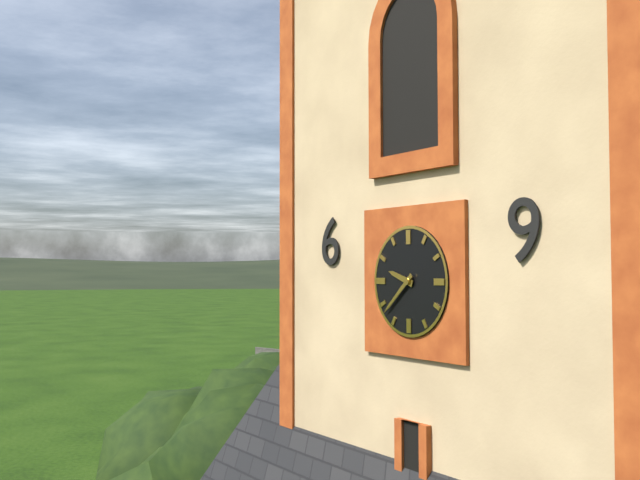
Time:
9:38
